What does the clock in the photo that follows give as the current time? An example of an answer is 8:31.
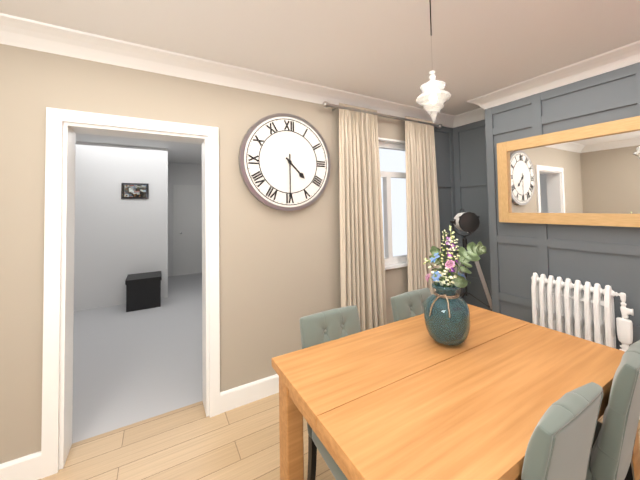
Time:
4:30
